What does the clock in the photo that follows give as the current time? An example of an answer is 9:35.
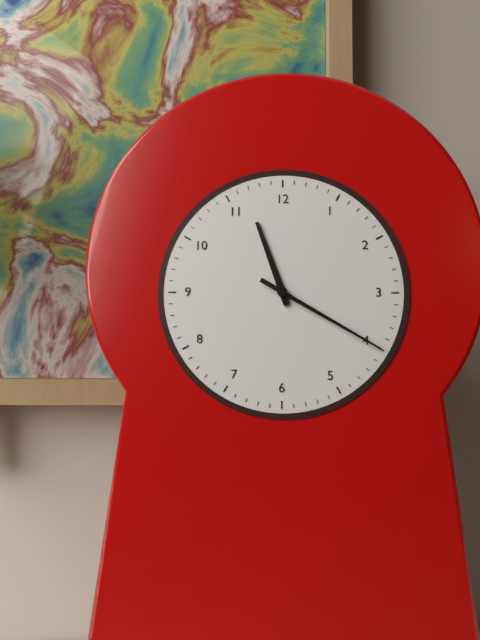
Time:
11:20
